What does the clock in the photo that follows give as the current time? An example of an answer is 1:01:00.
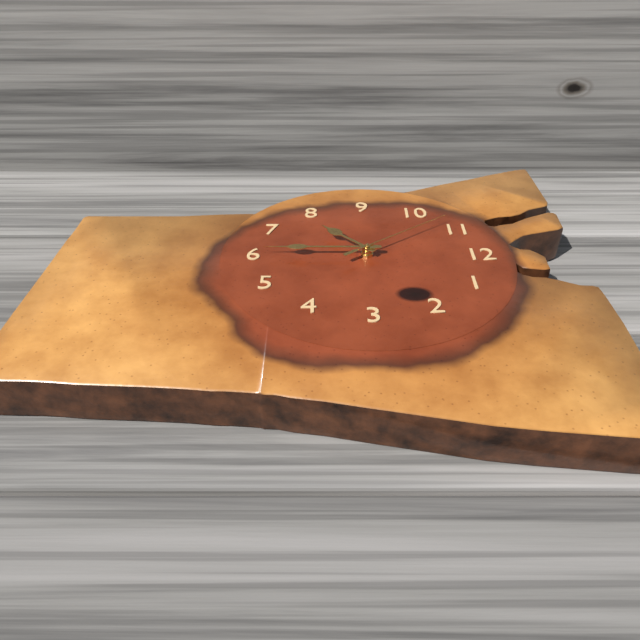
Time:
7:30:54
